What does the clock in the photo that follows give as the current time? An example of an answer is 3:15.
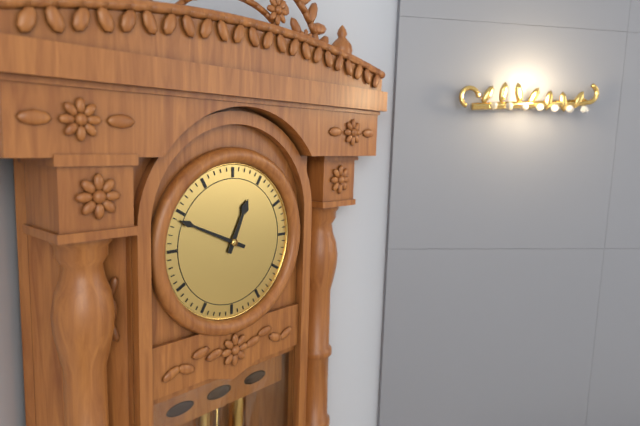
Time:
12:49
